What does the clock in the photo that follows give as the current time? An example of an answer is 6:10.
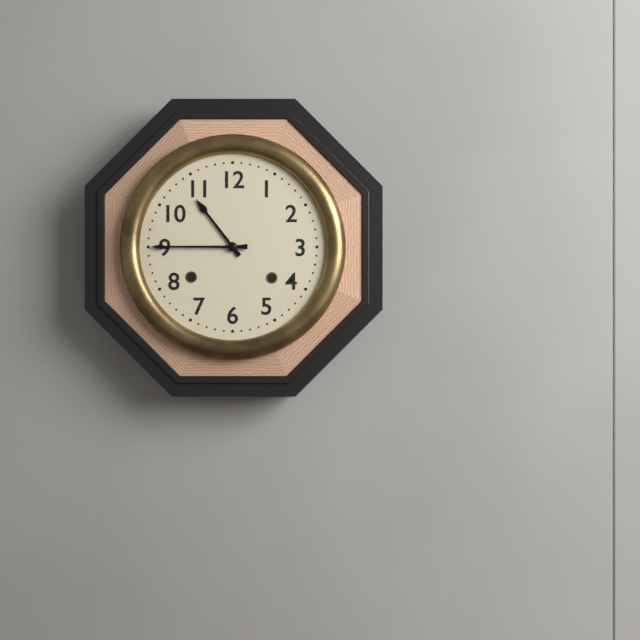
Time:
10:45
